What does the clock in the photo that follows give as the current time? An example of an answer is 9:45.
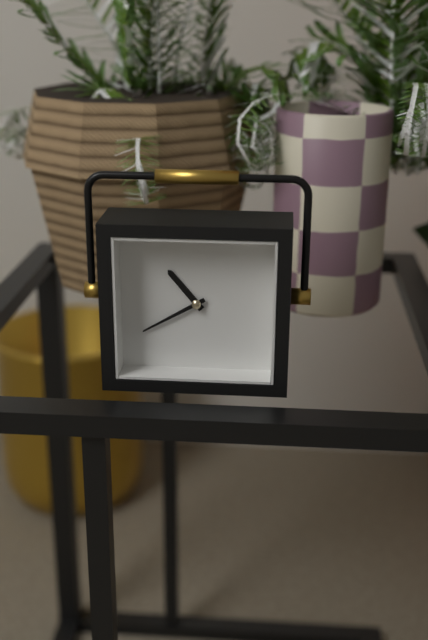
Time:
10:40
